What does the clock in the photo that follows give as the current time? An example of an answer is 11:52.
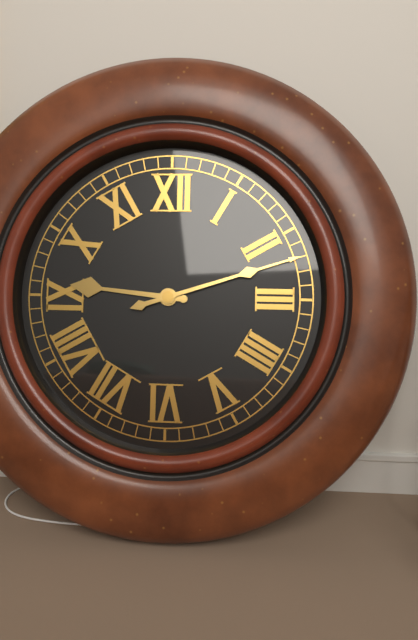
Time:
9:12
